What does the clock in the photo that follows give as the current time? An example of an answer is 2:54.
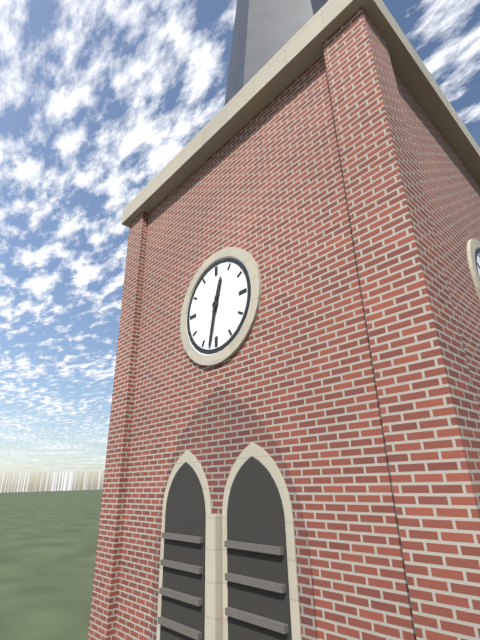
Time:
12:32
